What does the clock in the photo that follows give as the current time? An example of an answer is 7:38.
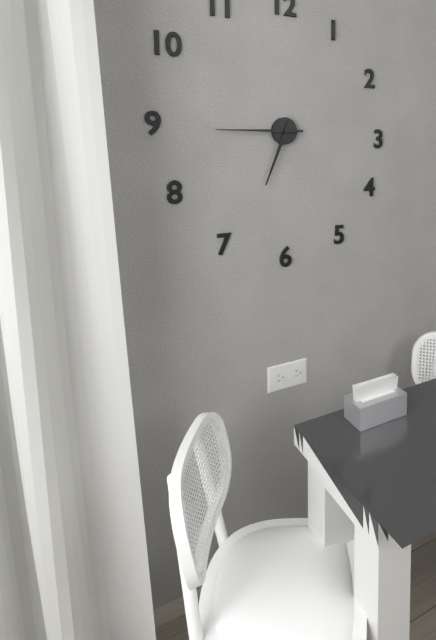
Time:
6:45
